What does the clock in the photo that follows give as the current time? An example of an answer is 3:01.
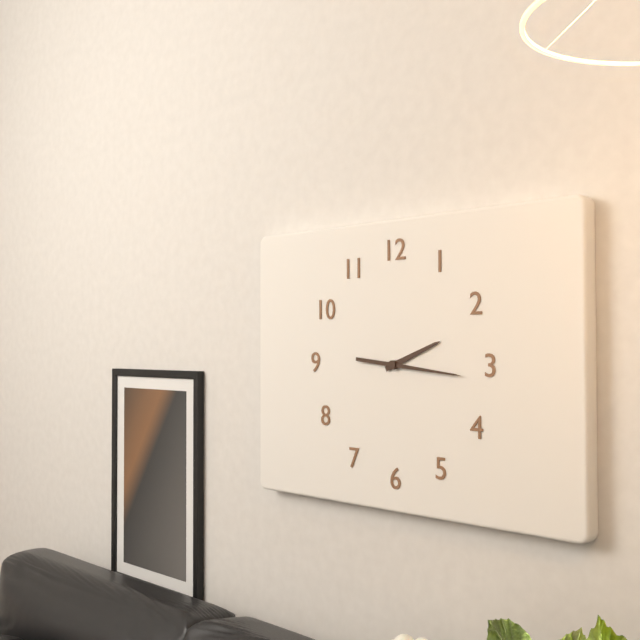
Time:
2:16
